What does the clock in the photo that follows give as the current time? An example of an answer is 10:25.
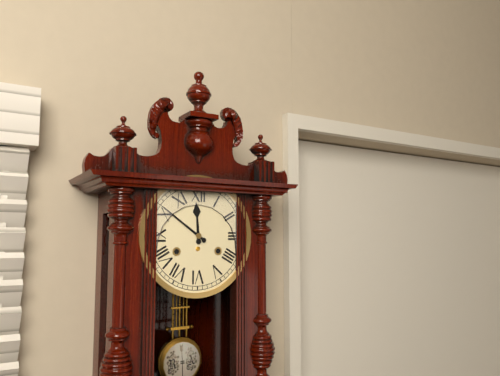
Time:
11:51
